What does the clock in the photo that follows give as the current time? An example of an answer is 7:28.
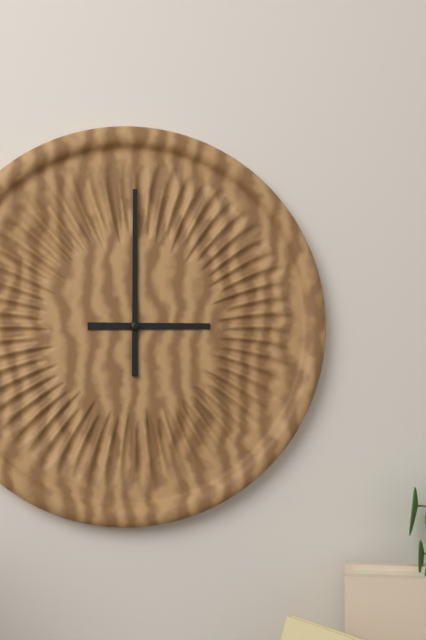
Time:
3:00
